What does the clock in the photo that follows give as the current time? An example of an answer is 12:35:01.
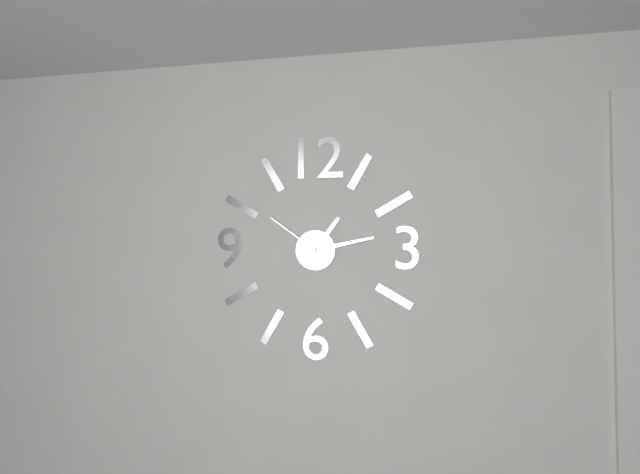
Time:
1:13:51
